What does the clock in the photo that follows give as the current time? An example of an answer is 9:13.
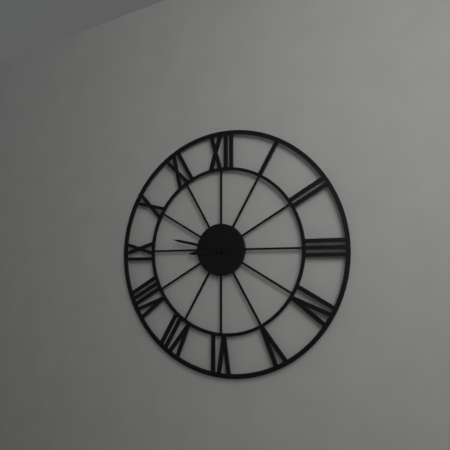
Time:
8:47
